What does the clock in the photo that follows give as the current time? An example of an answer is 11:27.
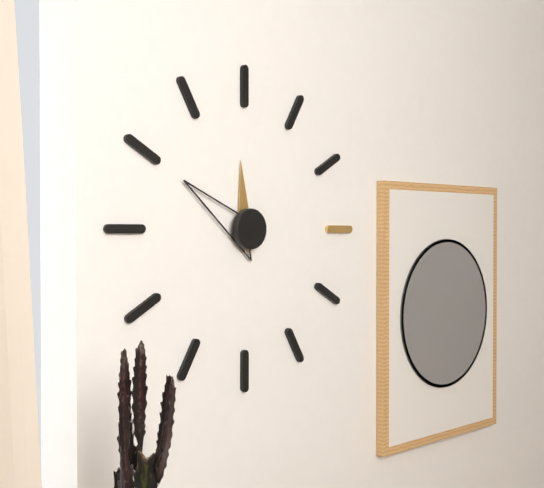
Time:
11:50
